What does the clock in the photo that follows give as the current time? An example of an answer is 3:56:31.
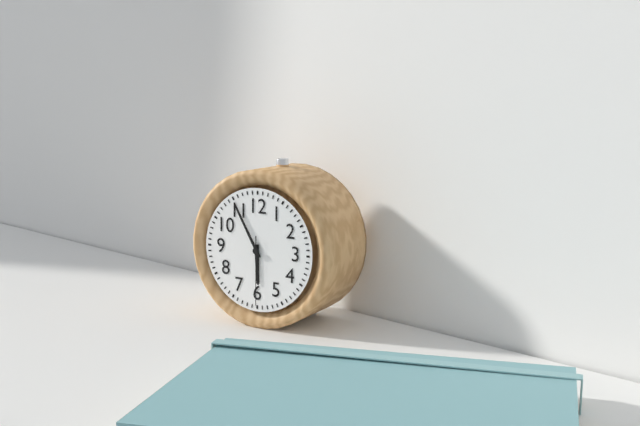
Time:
5:55:30
